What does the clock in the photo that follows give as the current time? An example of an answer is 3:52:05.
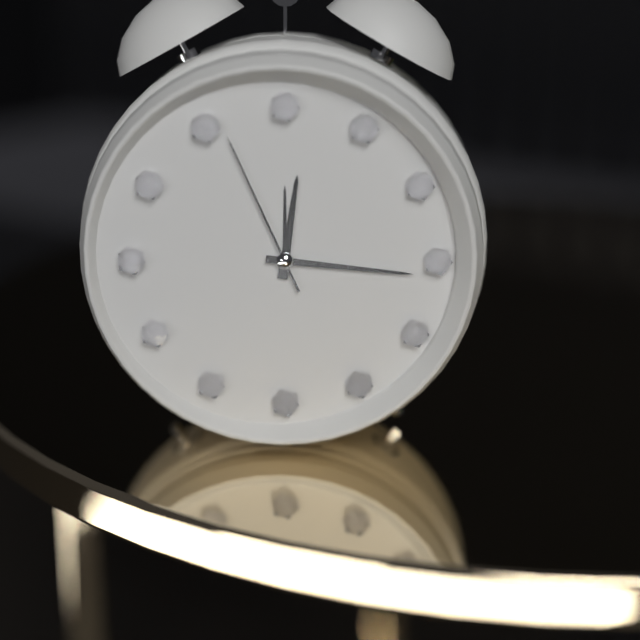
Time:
12:16:56
